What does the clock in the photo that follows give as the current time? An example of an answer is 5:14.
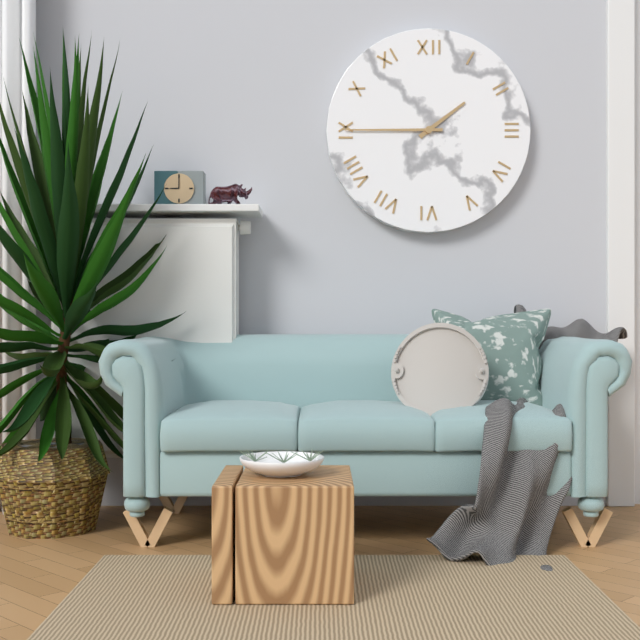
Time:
1:45
